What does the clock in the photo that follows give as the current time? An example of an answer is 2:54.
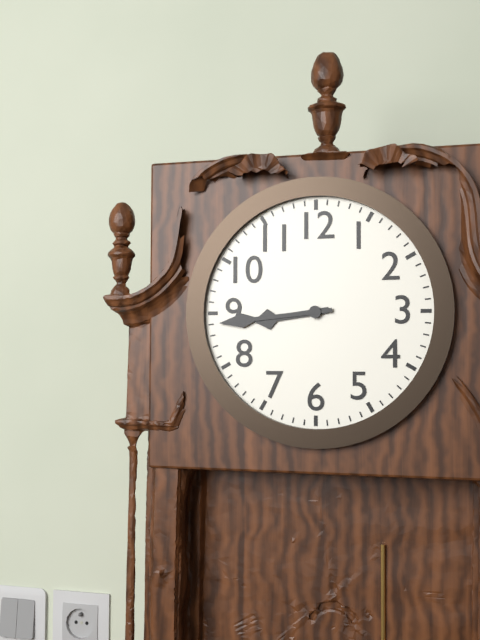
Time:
8:44
